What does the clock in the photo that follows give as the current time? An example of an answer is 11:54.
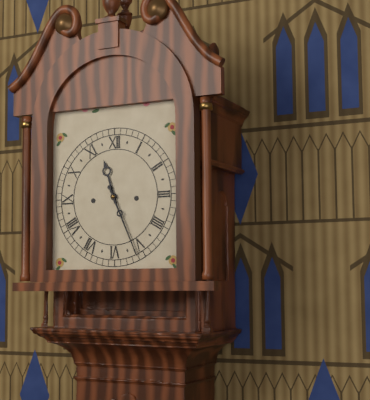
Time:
11:26
